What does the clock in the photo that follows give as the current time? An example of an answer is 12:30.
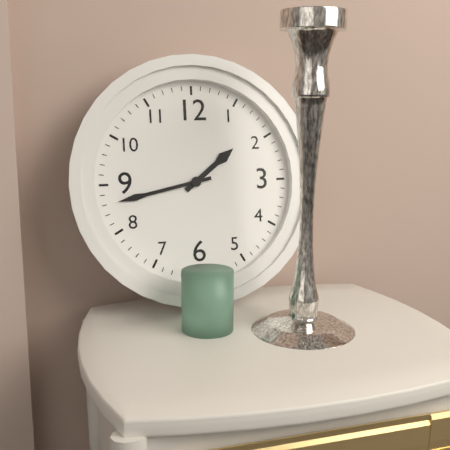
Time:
1:43
